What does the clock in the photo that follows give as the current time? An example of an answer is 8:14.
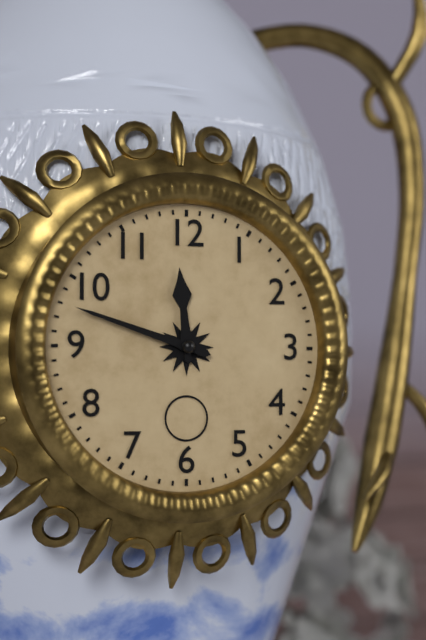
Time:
11:48
